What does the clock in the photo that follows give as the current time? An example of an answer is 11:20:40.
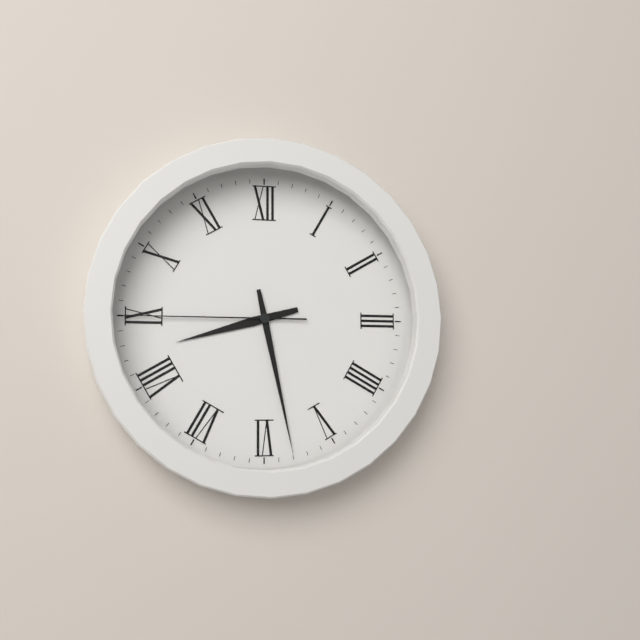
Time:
8:28:45
